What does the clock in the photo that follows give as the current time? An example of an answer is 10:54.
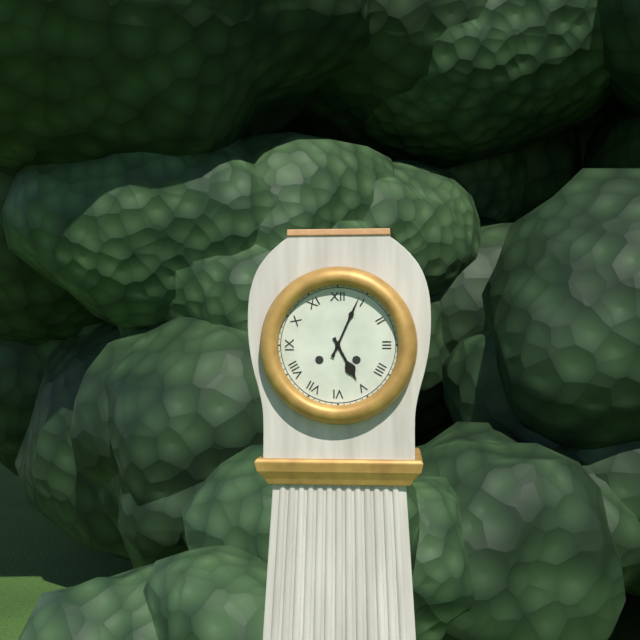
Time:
5:04
